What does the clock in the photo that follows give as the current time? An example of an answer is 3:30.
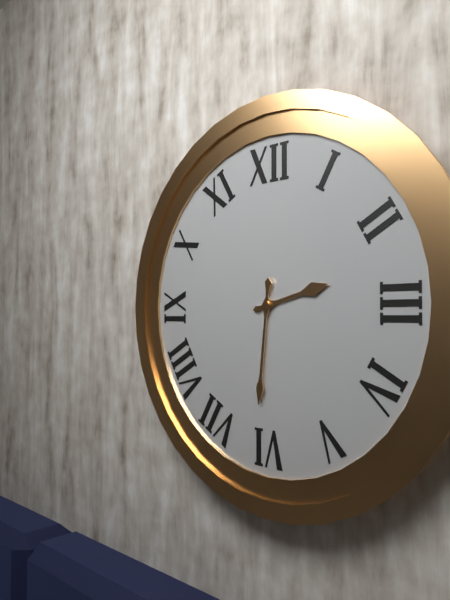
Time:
2:31
